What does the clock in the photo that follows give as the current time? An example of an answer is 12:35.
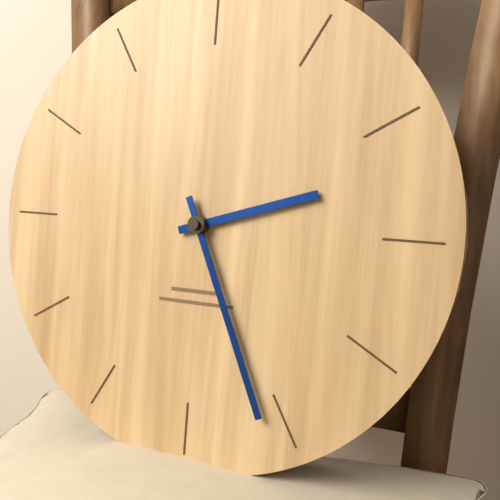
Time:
2:26
